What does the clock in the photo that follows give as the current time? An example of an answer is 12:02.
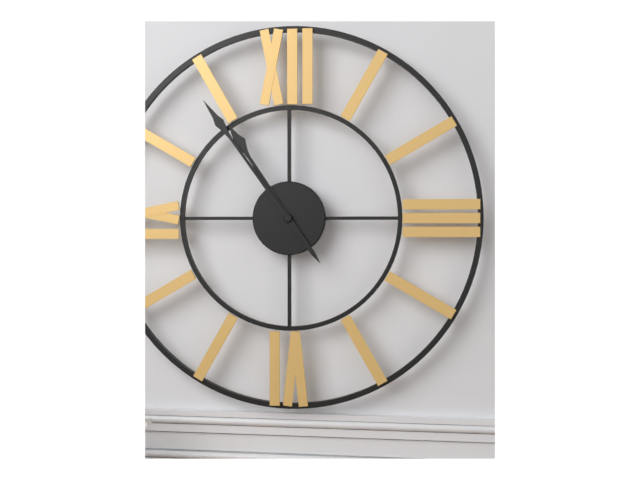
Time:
10:54
